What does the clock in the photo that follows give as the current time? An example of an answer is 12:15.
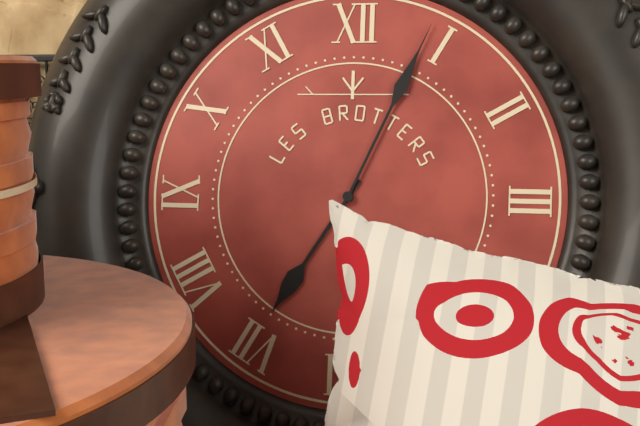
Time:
7:04
